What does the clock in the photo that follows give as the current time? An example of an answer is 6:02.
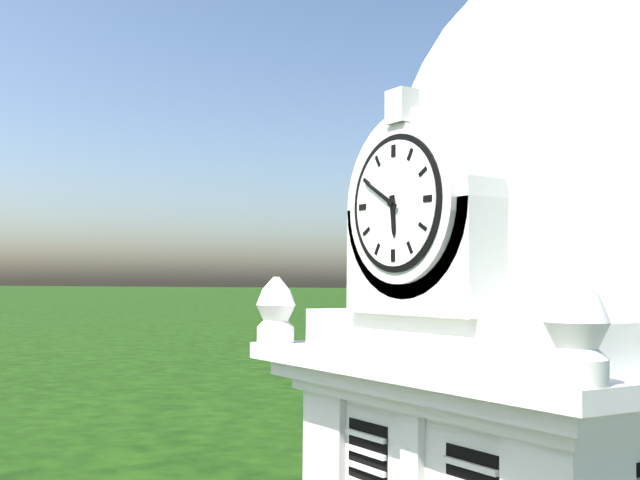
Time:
5:50
